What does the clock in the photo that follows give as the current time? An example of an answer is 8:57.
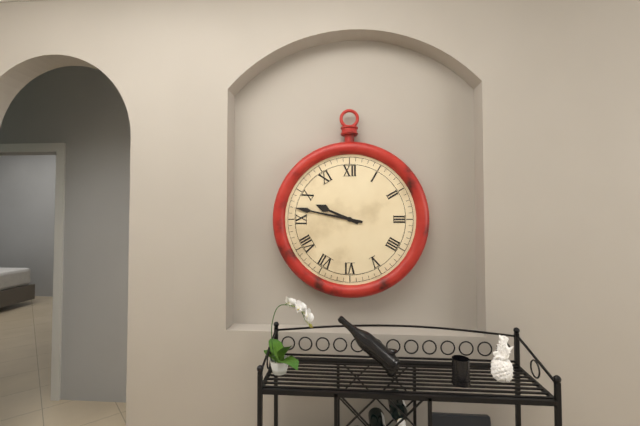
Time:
9:47
